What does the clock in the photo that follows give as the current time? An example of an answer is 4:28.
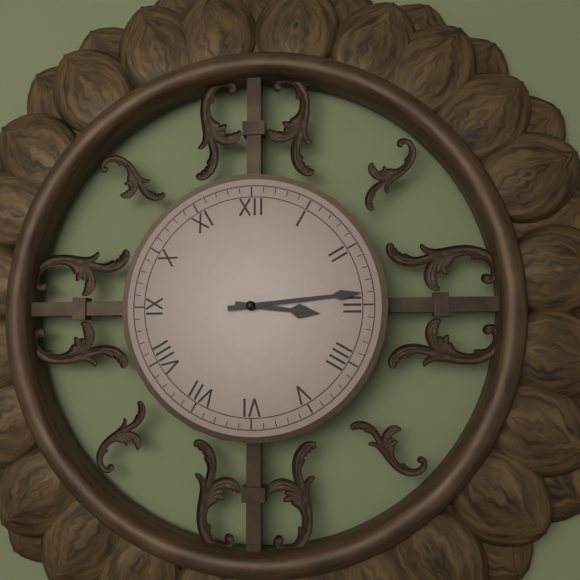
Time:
3:14
